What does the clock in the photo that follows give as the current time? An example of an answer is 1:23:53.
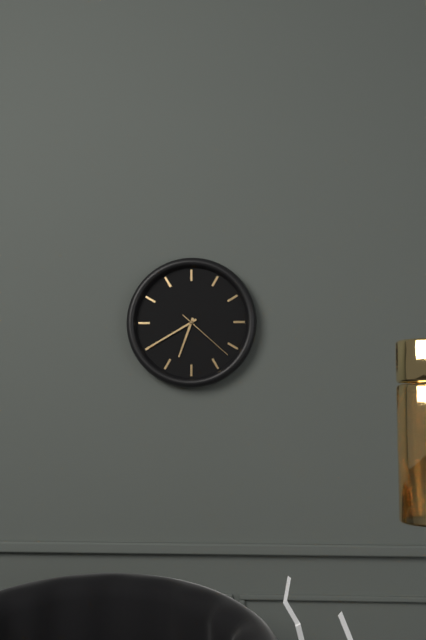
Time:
6:40:22
